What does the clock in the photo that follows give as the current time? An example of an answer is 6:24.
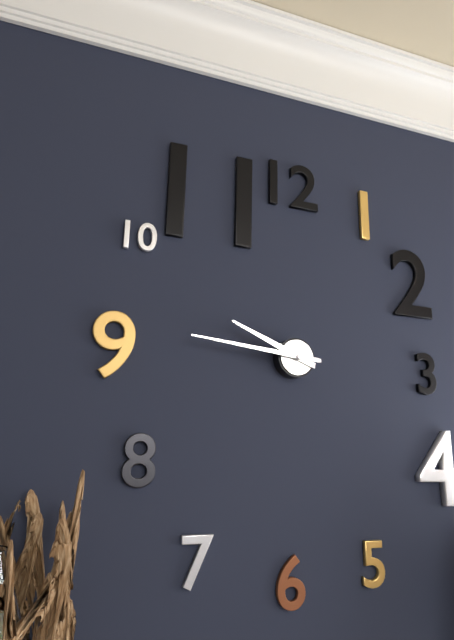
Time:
9:46
